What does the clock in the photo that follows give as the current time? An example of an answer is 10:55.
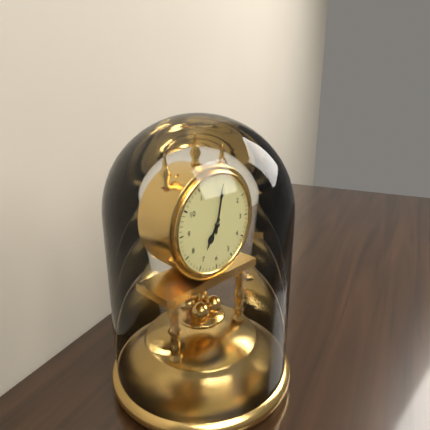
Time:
7:02
